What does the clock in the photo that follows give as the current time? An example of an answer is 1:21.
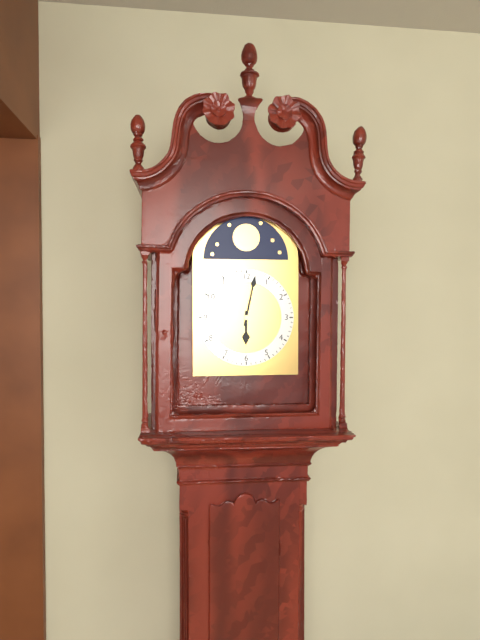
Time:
6:02
